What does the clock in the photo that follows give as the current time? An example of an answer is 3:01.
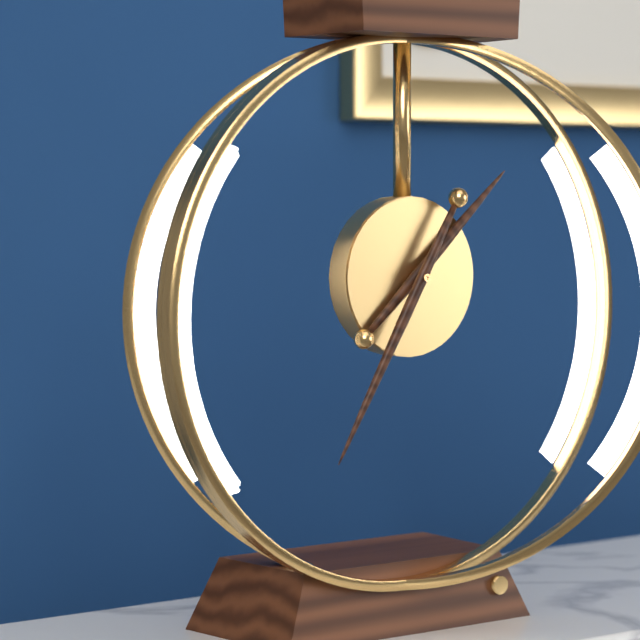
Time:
1:35
